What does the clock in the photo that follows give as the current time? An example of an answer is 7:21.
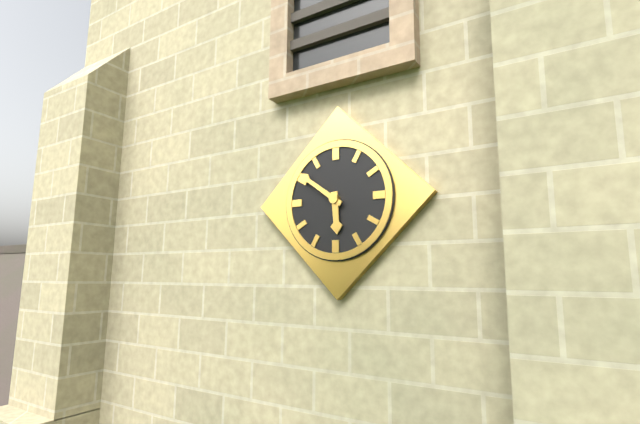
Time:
5:51
